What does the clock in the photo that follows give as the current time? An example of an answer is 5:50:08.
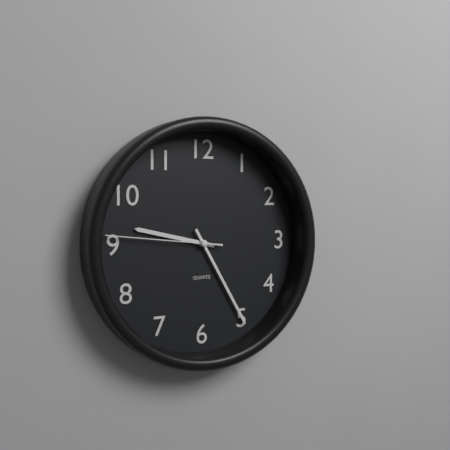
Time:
9:25:46
